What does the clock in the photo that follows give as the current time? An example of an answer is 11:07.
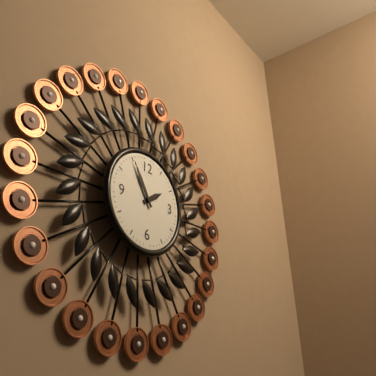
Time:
1:55
